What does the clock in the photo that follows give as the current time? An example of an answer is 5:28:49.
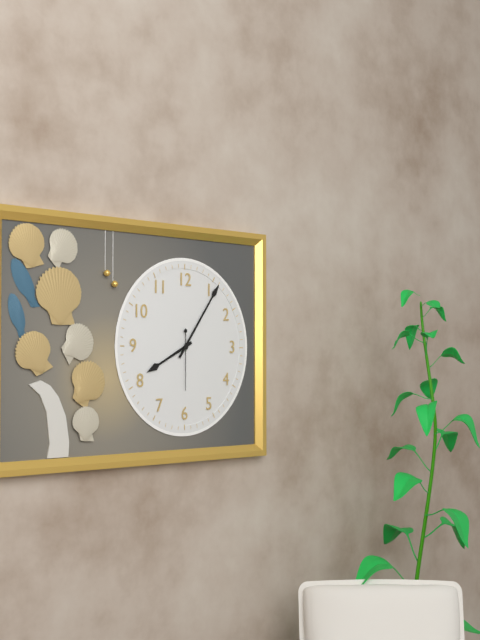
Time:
8:06:30
